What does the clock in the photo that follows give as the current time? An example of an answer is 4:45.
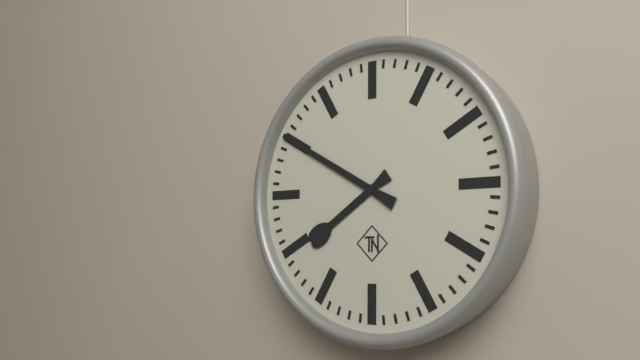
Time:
7:50
